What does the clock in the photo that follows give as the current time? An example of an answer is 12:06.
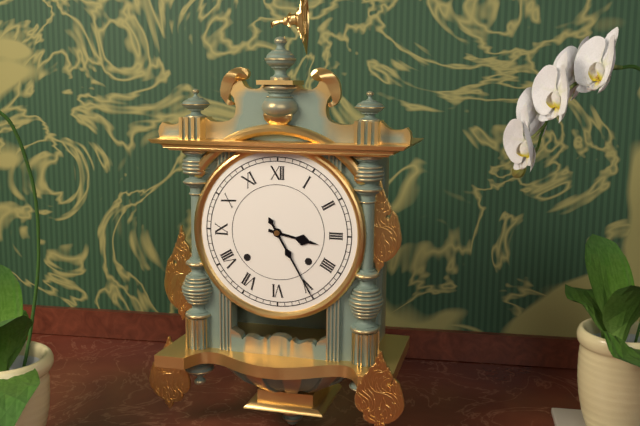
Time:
3:25
